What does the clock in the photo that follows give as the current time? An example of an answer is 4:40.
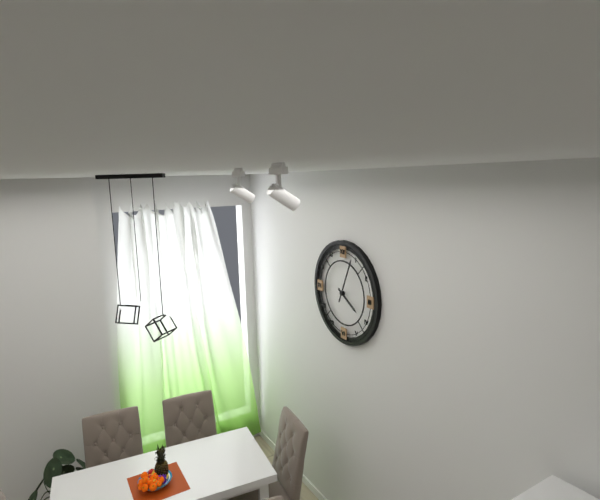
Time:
4:04
